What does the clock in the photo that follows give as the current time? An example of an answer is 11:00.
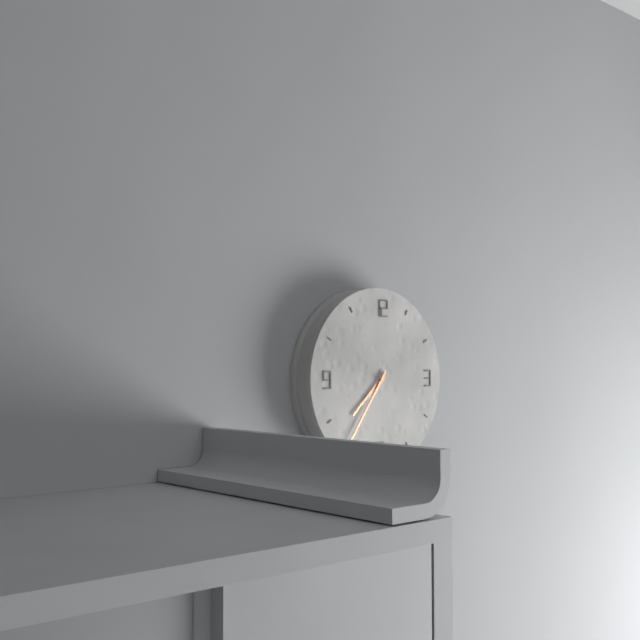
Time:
7:36
